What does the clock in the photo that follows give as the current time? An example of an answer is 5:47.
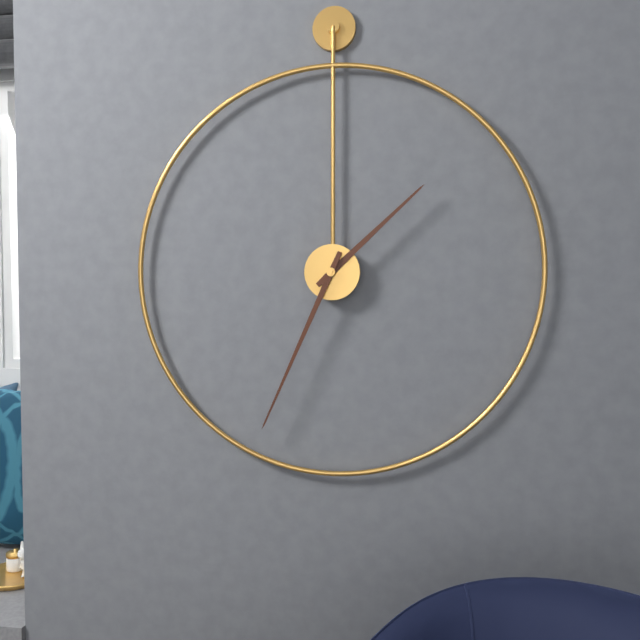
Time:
1:34
